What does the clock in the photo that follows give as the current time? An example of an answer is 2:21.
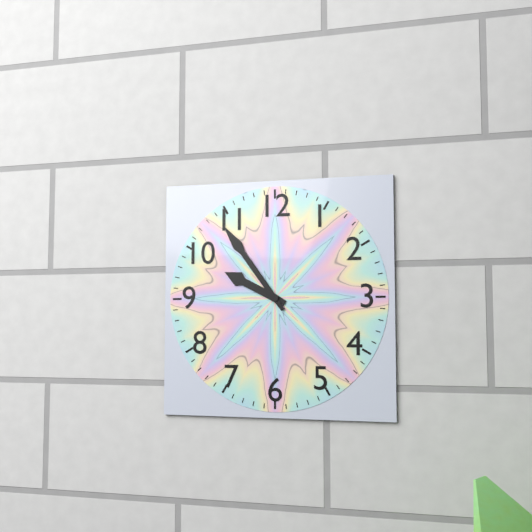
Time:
9:54
